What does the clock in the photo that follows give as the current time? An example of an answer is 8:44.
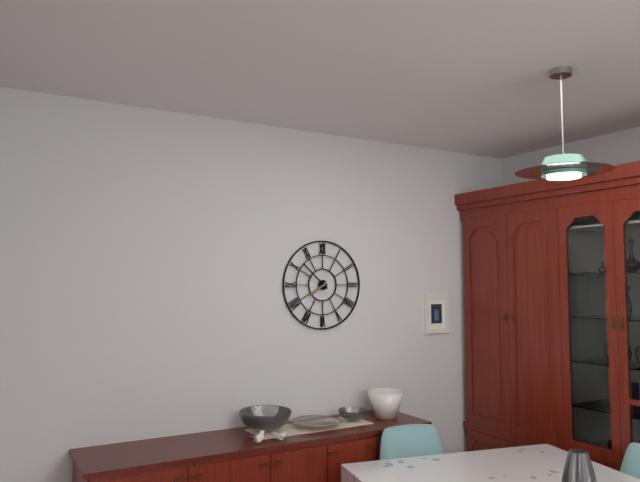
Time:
7:52
